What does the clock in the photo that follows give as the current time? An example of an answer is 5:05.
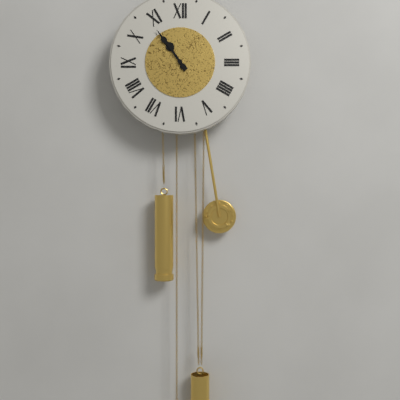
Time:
10:54
